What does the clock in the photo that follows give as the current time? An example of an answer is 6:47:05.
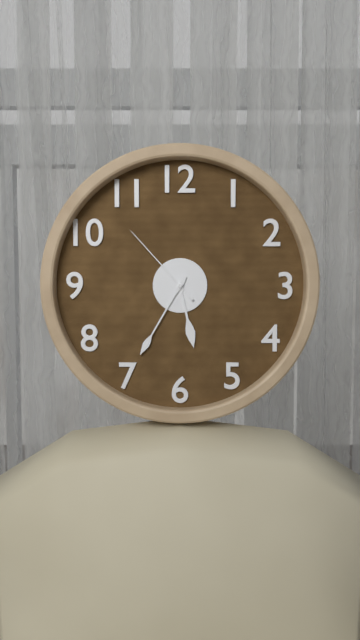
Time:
5:35:53
